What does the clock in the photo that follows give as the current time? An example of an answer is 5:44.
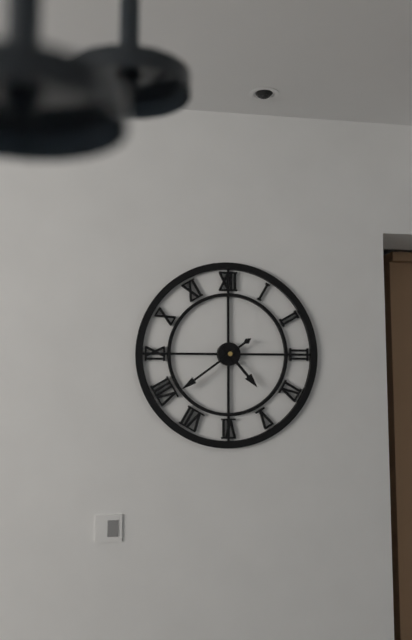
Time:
4:39
